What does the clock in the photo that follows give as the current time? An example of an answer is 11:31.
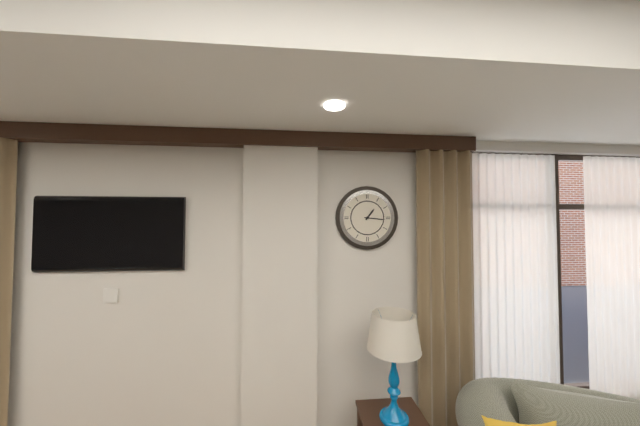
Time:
1:16
